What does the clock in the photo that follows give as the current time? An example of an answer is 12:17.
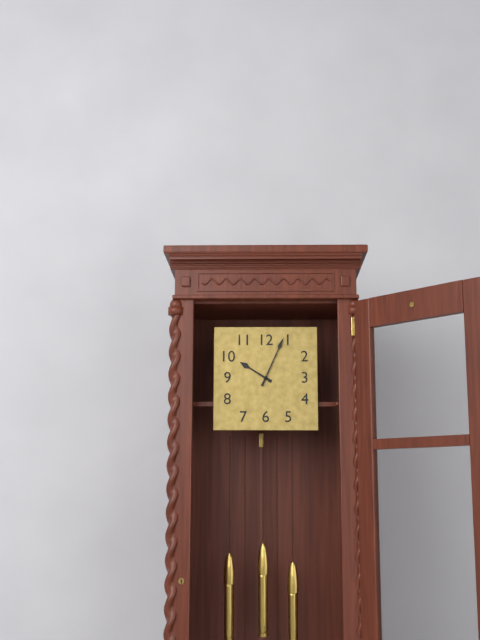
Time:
10:04
